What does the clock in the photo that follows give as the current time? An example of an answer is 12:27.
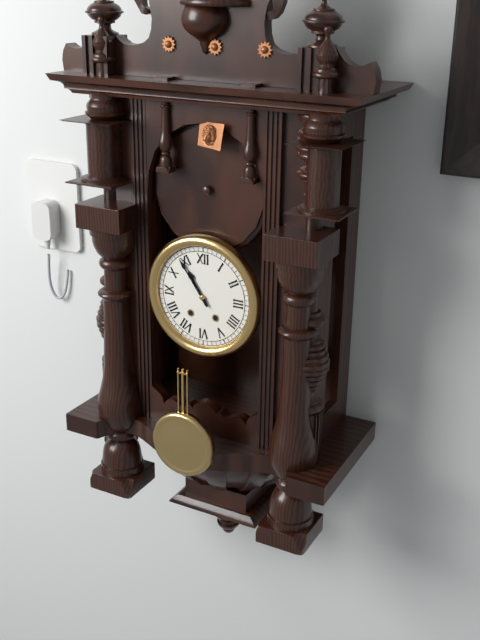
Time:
10:54
